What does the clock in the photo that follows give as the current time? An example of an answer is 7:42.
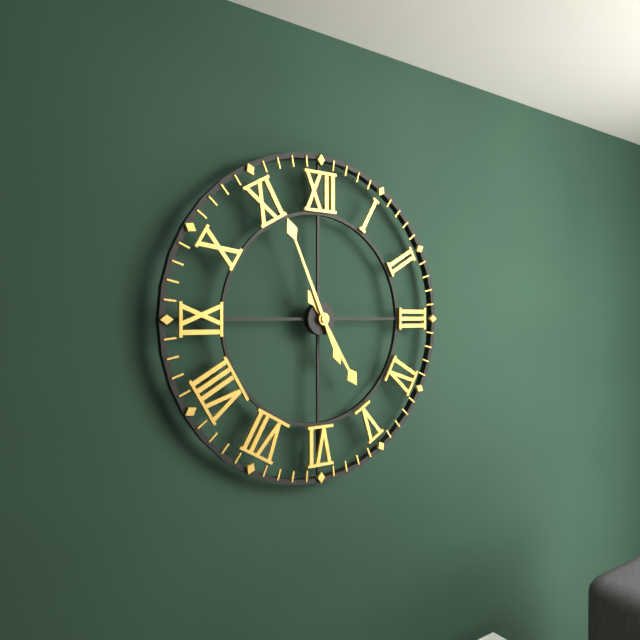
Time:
4:56
